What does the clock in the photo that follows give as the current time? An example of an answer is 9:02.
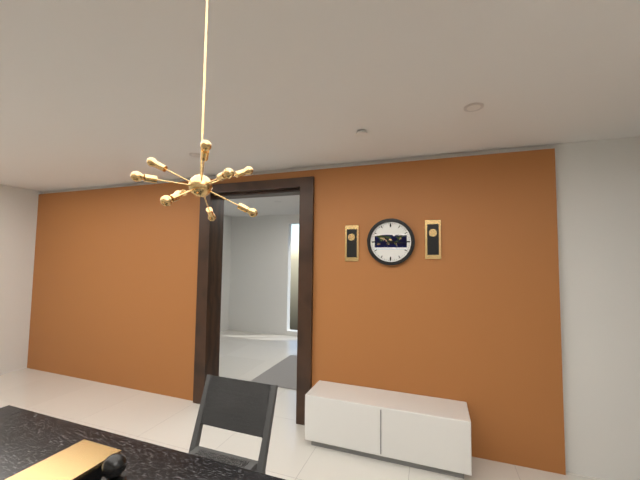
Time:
10:16
